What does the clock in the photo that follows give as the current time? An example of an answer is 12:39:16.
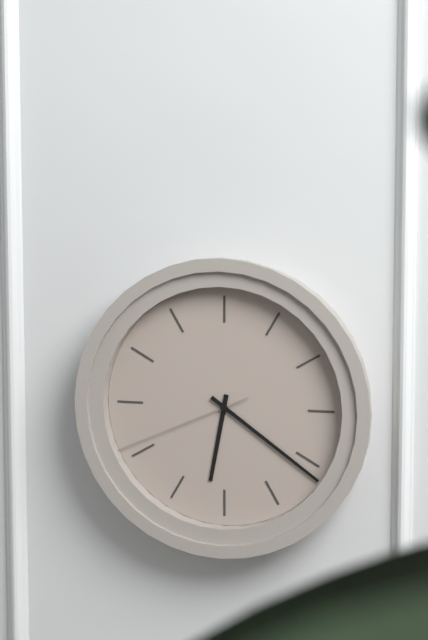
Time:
6:21:41
